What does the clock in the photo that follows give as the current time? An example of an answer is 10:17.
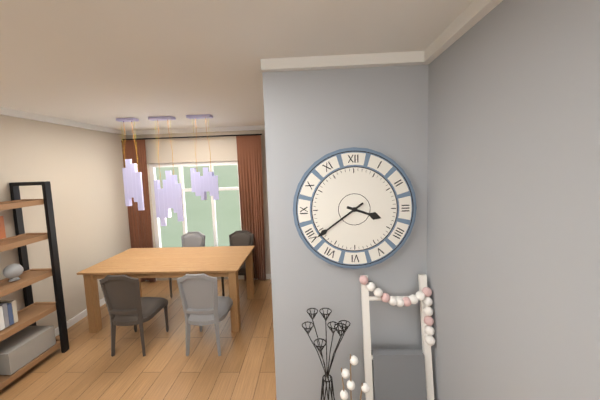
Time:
3:39
